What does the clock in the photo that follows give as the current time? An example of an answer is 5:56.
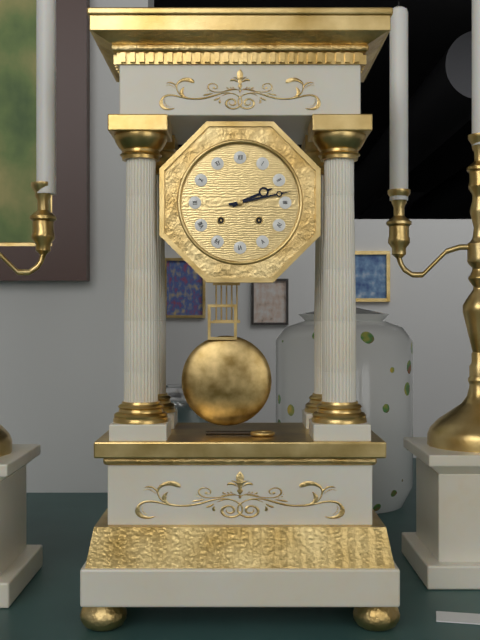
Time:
2:13
